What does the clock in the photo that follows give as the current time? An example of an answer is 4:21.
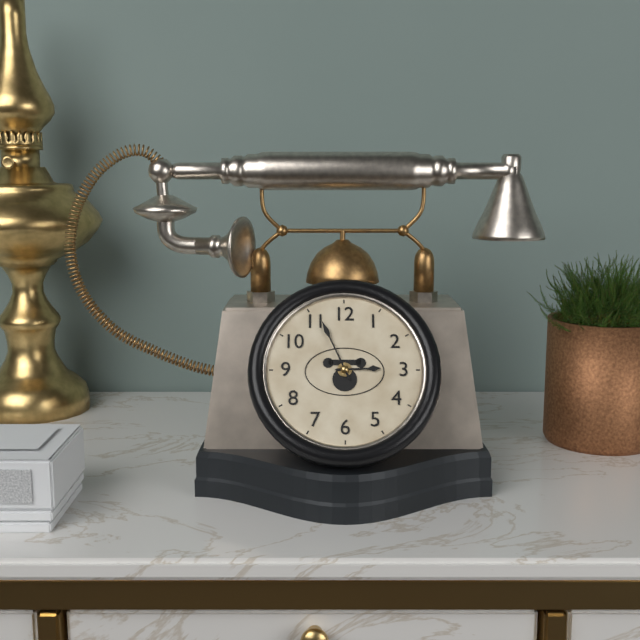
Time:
2:56
